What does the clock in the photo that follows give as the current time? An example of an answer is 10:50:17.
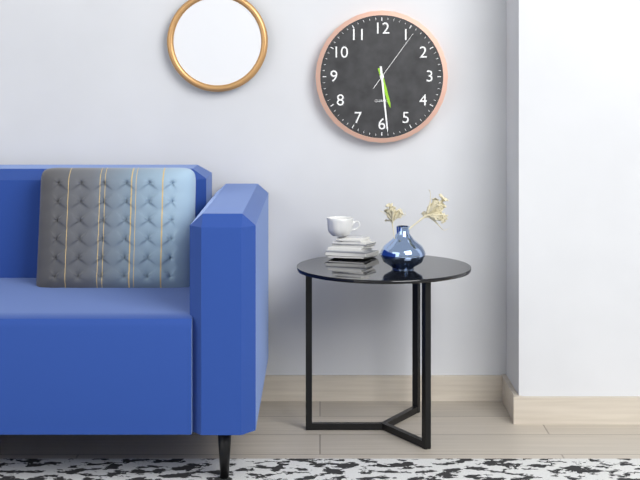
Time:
5:29:06
